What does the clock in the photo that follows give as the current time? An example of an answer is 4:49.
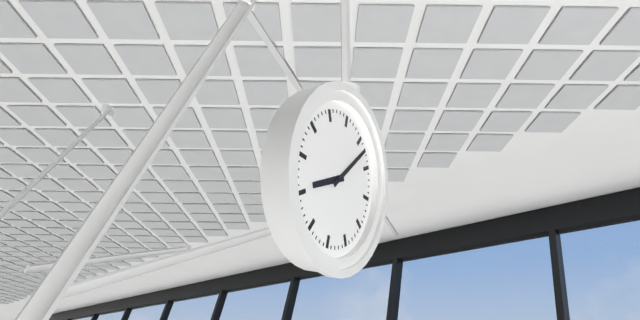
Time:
8:07
